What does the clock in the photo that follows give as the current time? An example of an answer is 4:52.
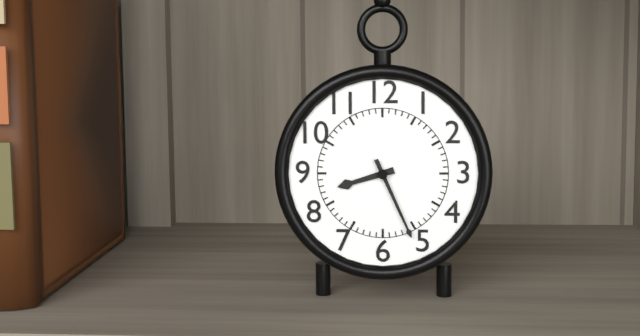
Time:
8:26
